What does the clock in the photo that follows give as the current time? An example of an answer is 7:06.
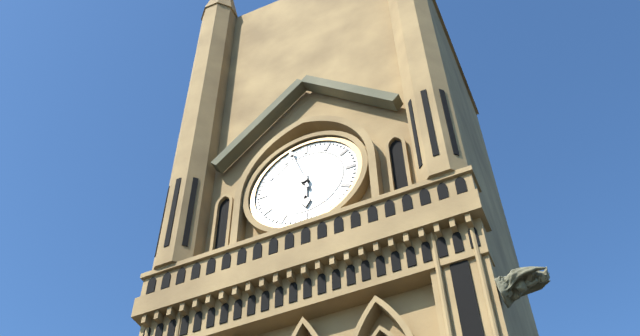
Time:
5:57
